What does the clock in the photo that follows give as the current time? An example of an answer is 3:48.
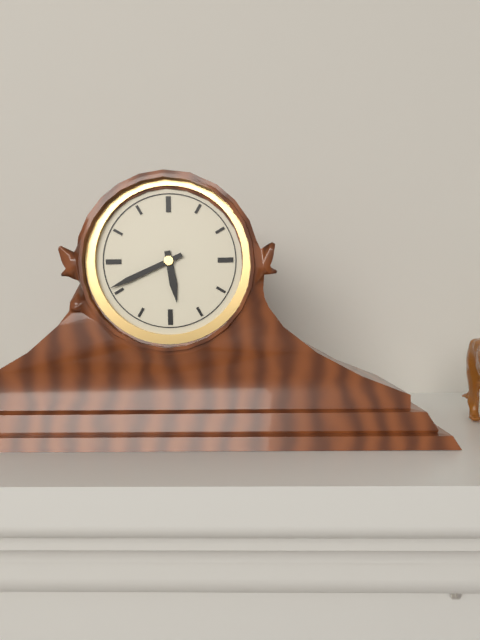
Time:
5:41
